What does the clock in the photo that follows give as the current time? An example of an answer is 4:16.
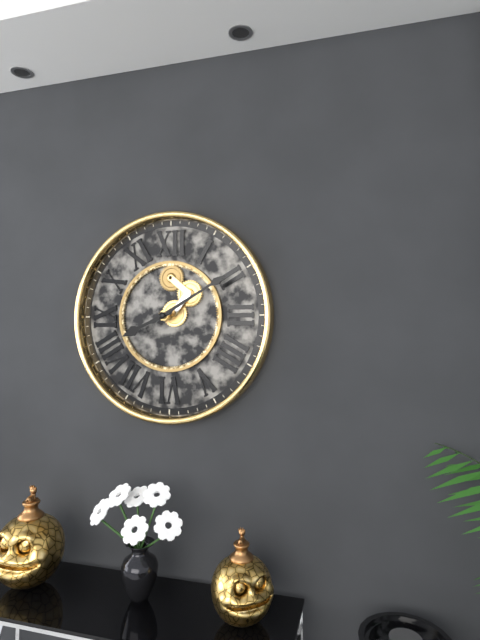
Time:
8:10
